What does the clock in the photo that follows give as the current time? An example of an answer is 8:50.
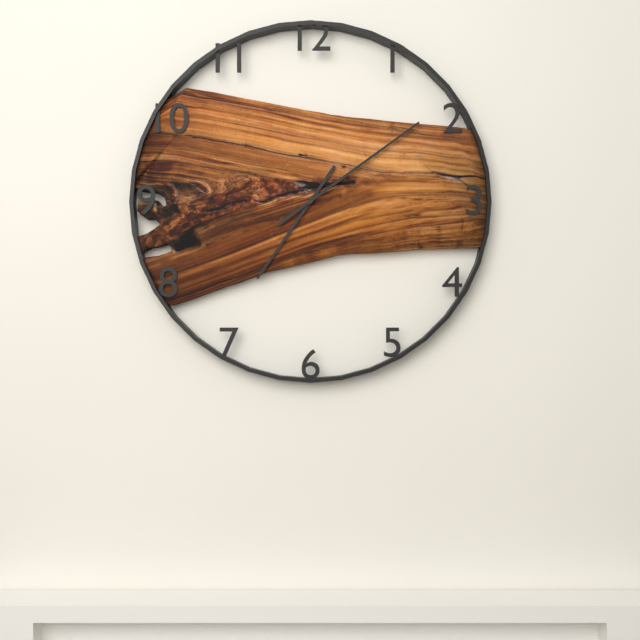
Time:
7:09
